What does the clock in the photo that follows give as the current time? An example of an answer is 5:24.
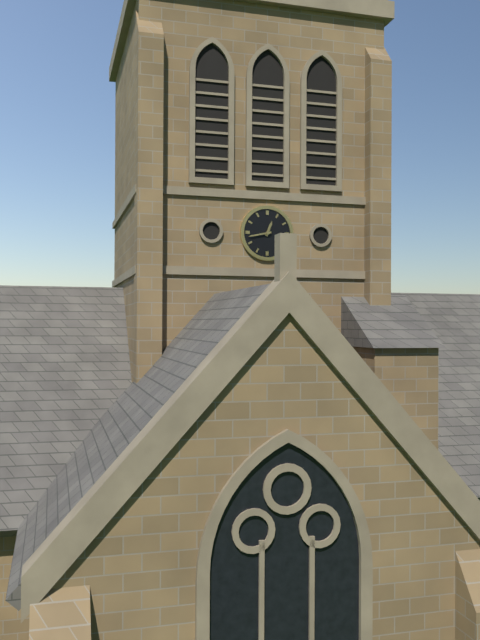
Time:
12:43
